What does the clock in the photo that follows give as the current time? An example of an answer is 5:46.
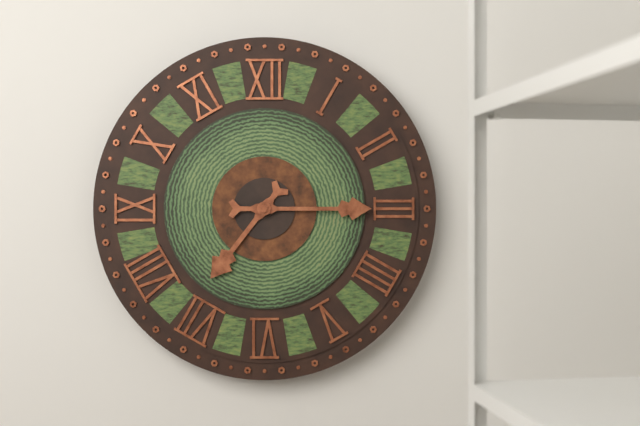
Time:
7:15
